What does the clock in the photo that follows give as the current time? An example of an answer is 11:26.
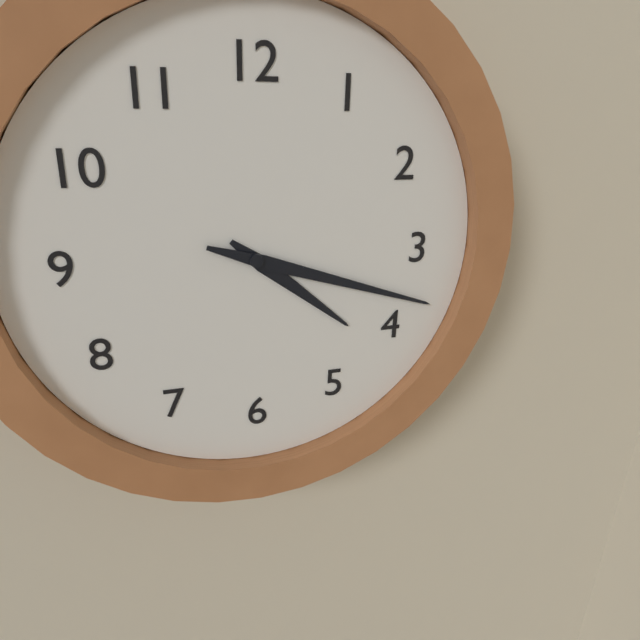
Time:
4:18
